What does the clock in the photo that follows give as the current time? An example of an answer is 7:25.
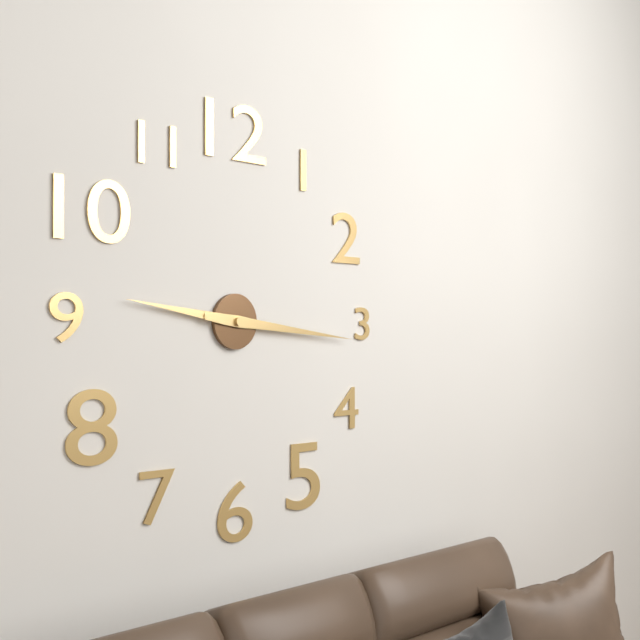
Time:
9:16
